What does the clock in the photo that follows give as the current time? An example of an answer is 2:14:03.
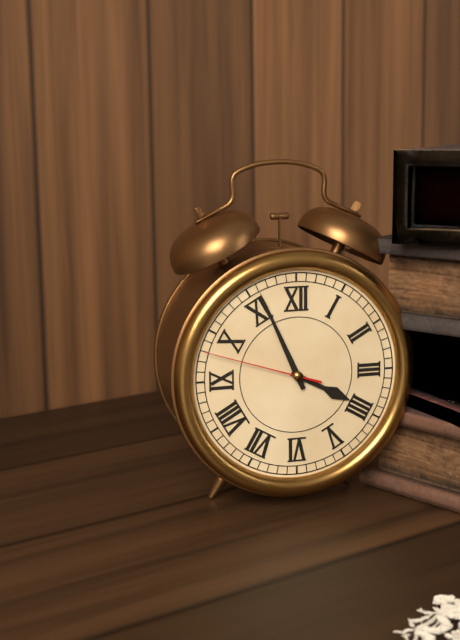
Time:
3:56:48
